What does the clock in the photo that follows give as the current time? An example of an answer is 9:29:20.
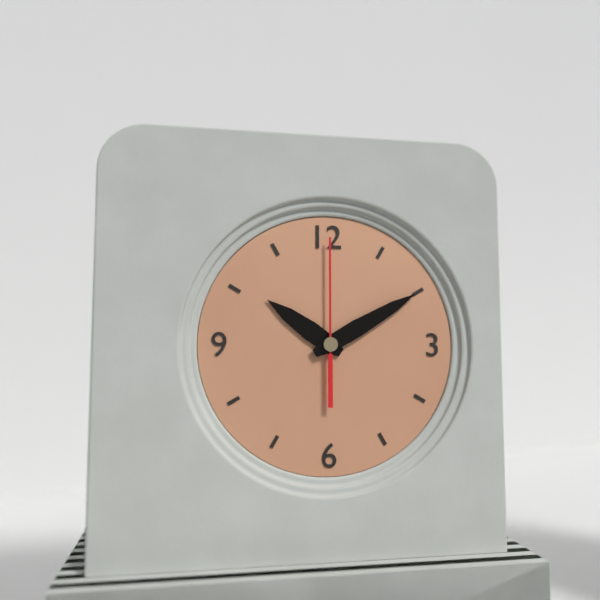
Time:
10:10:00
